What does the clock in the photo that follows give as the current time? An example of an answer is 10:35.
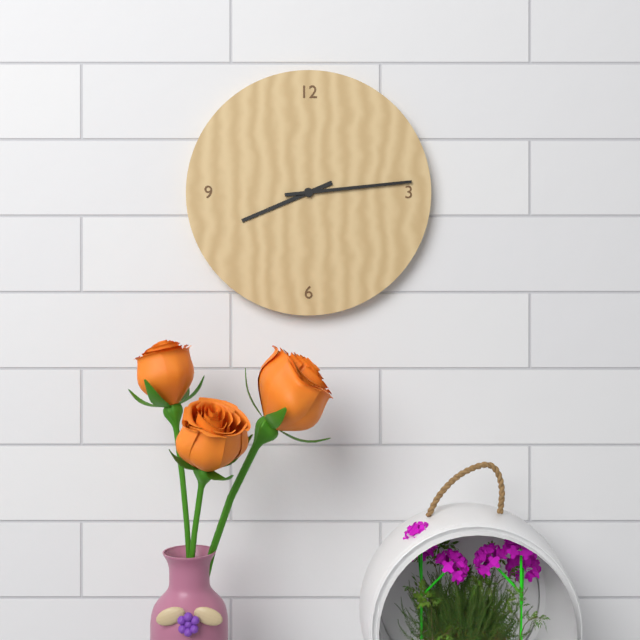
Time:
8:14
